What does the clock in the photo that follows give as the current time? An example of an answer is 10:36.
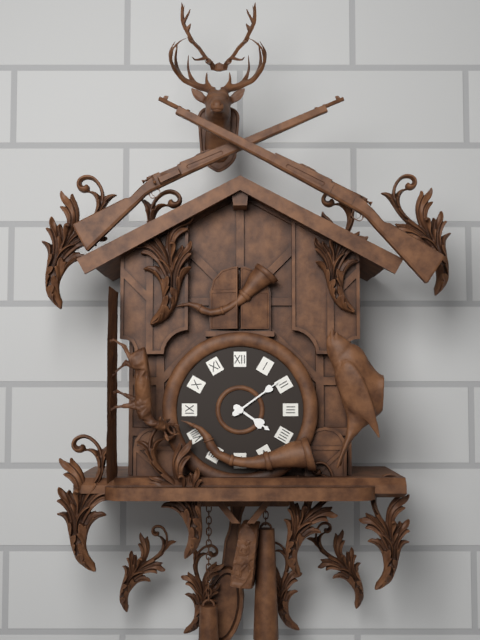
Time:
4:09
